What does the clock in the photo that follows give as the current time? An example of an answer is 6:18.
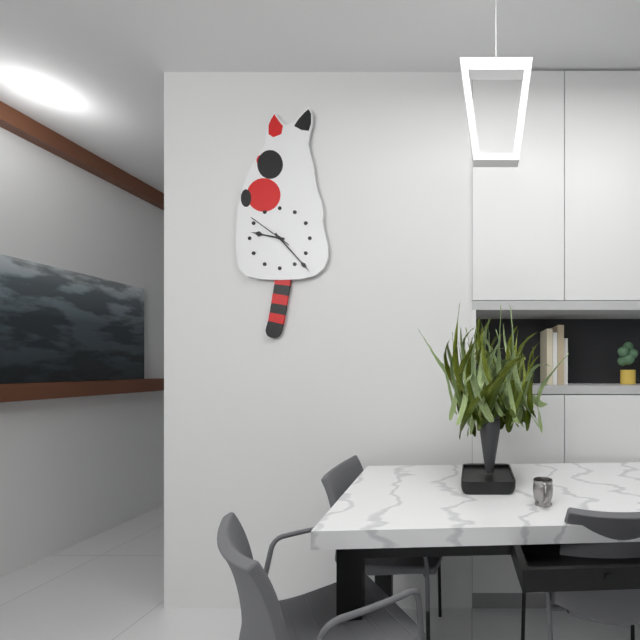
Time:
9:23
